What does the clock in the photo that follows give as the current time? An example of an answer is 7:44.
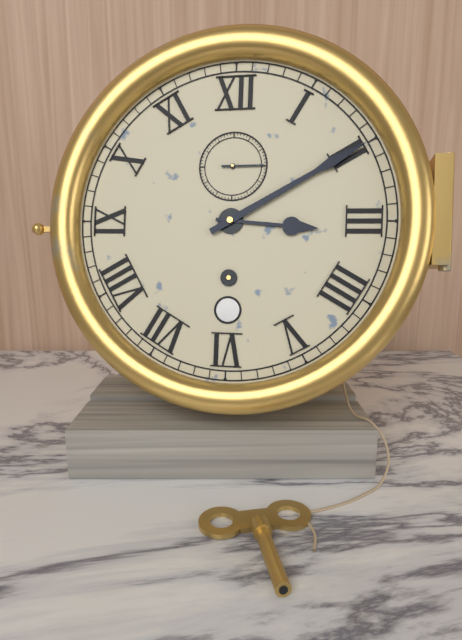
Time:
3:10
